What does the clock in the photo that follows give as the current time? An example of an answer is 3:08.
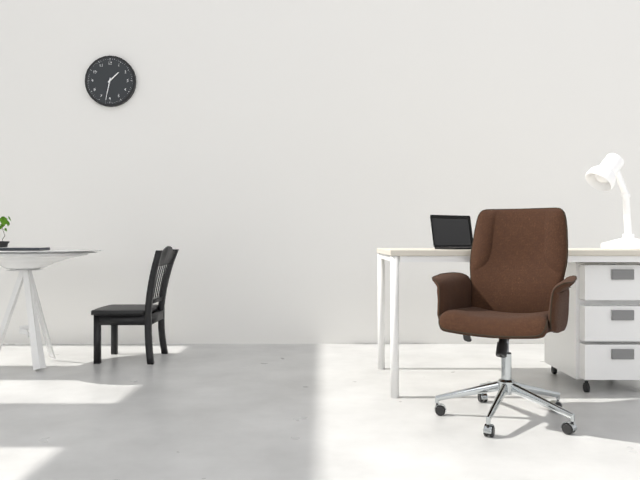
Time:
1:32
